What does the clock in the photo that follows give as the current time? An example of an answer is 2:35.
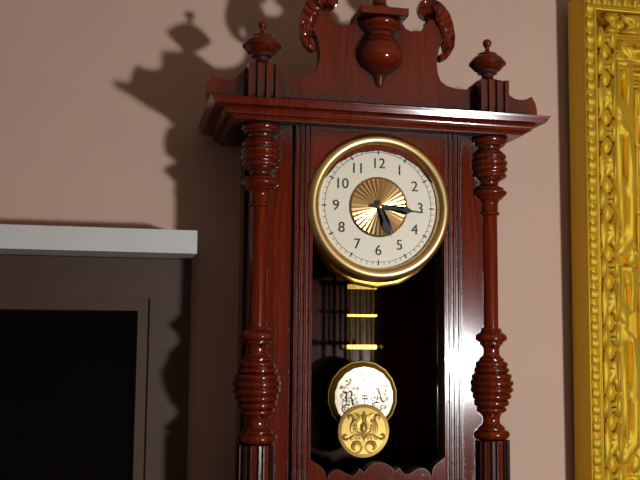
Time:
5:16
